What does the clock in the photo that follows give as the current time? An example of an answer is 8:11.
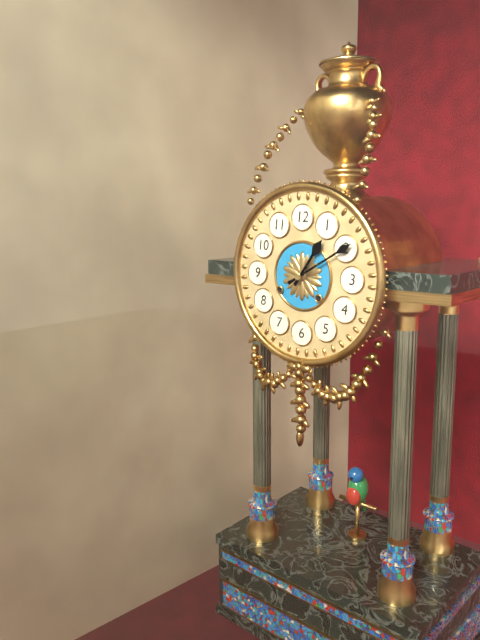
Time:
1:10
